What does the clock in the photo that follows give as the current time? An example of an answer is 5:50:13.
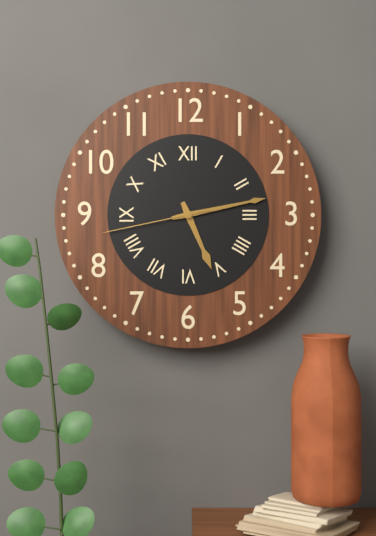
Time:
5:13:43
